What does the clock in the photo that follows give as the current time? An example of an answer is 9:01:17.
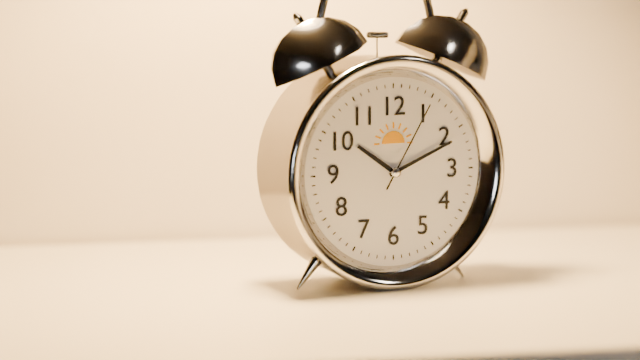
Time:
10:11:05
